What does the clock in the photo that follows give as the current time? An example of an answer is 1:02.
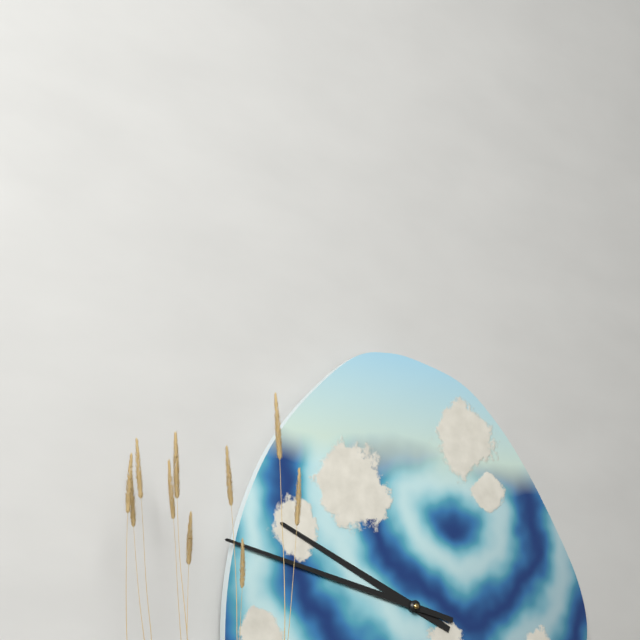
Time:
9:47
